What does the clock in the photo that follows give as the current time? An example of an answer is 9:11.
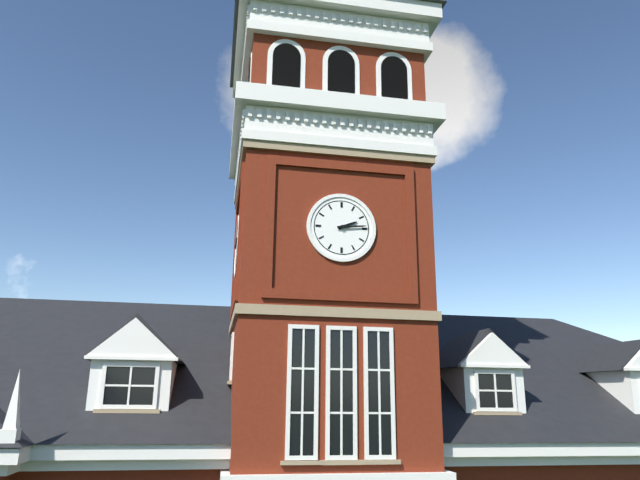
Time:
2:14
